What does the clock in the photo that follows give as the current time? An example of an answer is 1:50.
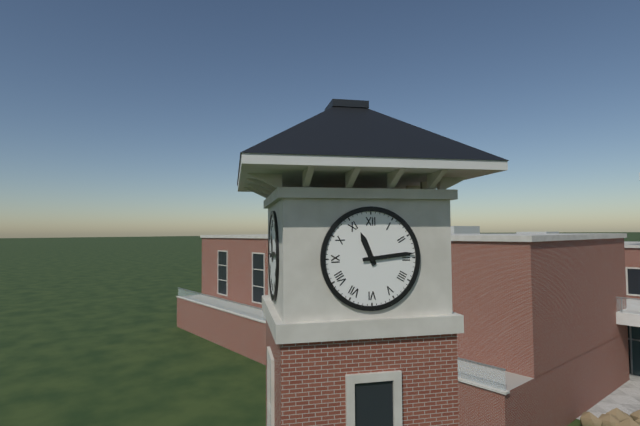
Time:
11:14
